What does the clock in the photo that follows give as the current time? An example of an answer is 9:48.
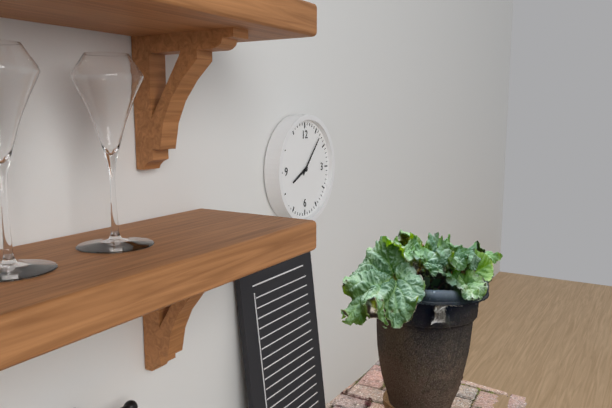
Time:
8:07
